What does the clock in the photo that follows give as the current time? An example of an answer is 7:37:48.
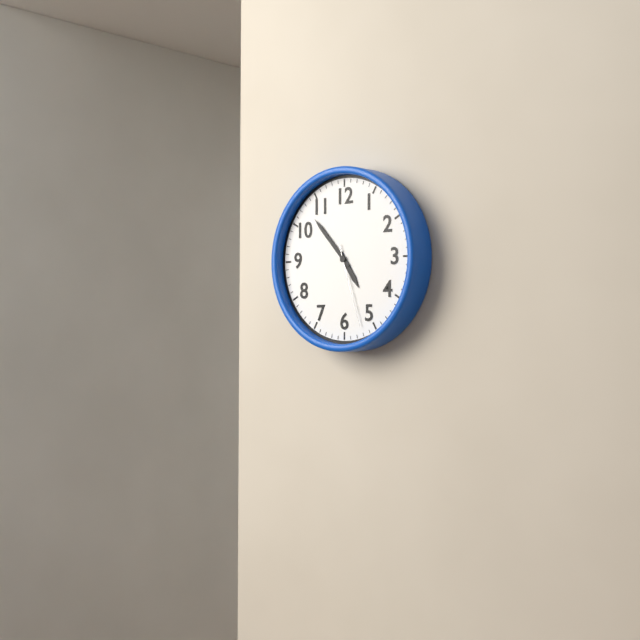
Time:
4:53:27
